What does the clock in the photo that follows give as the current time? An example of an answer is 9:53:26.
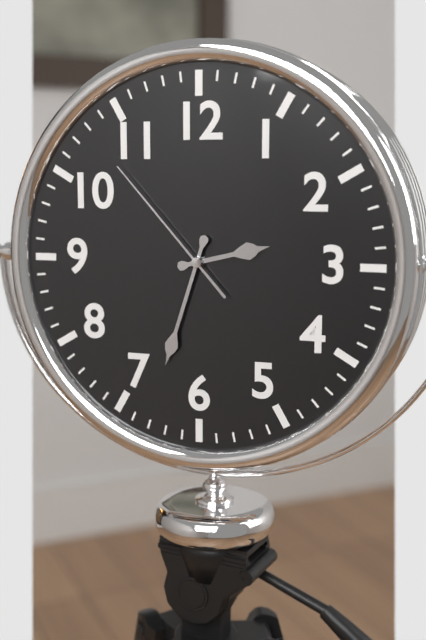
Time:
2:33:53
